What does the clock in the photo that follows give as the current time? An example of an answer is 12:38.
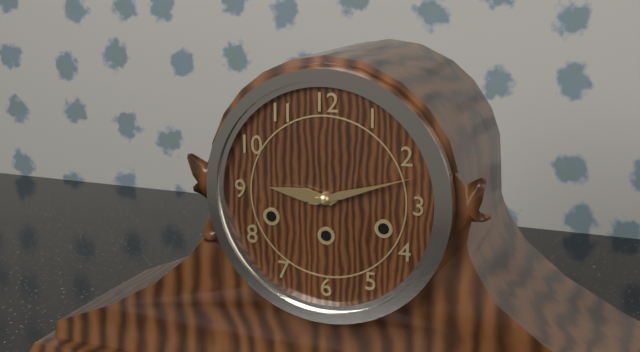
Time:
9:12
